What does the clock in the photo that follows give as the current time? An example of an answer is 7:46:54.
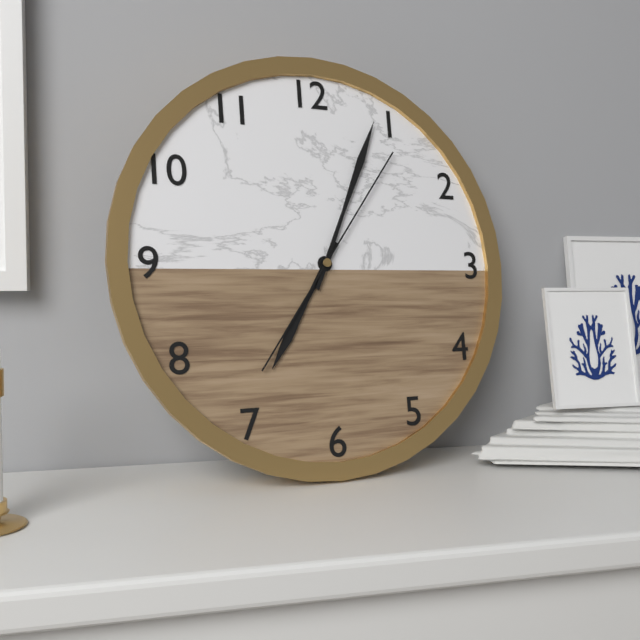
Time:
7:04:06
